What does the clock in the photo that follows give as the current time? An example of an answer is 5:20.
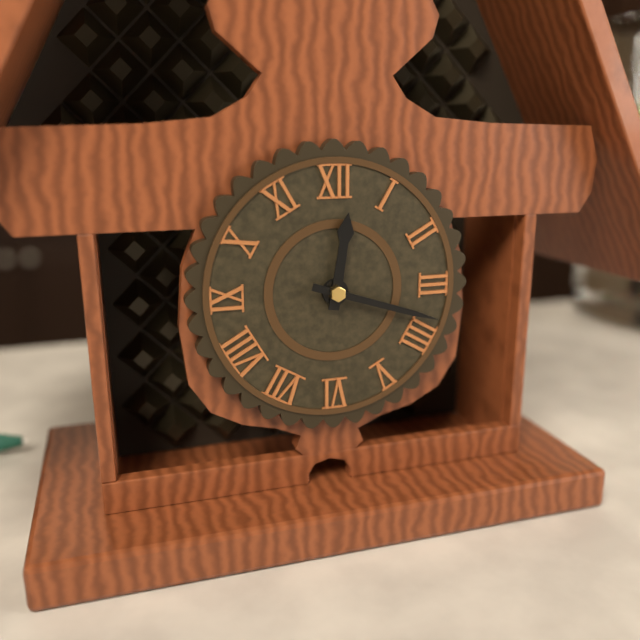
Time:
12:18
